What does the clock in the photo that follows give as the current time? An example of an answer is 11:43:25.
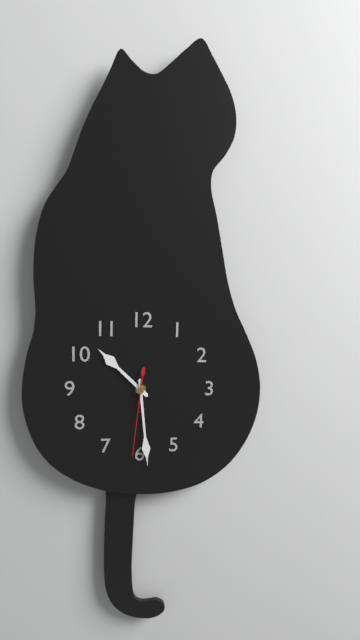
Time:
10:29:31
